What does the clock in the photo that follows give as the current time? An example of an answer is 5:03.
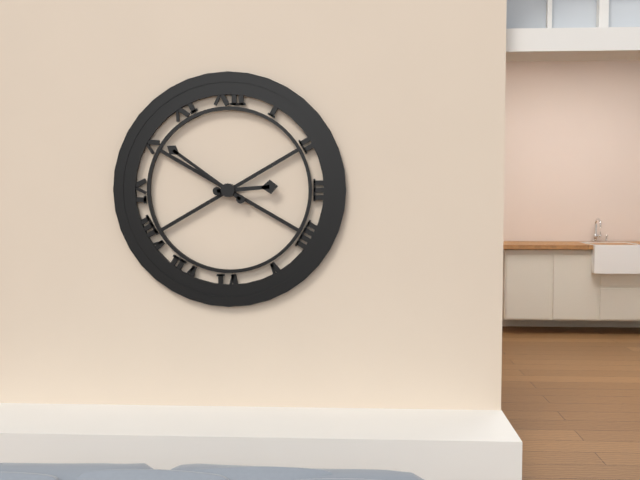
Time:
2:51
